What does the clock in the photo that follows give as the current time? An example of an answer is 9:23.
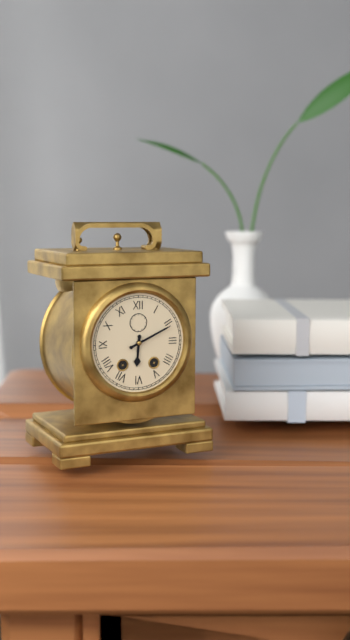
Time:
6:11
